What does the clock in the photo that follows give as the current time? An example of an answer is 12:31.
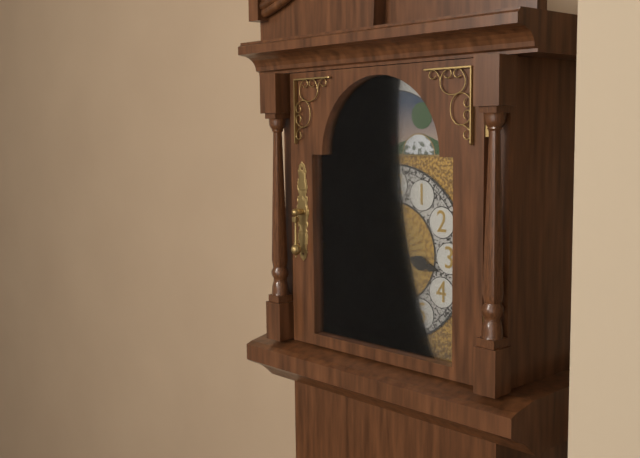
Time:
3:26
